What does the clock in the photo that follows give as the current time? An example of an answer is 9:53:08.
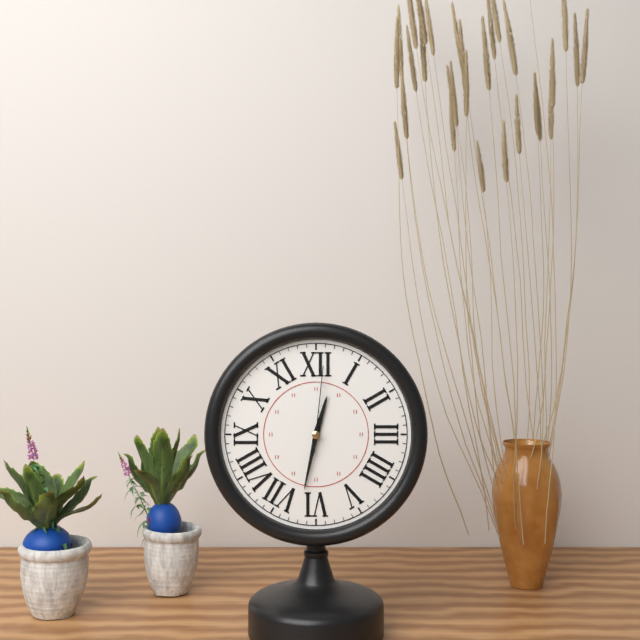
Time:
12:32:01
